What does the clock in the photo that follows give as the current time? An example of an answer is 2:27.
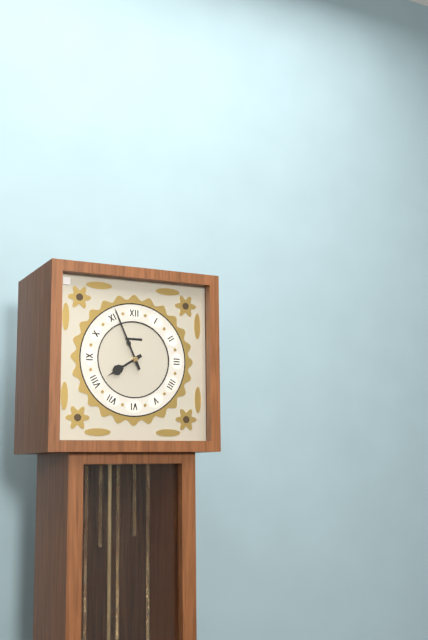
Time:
7:56
